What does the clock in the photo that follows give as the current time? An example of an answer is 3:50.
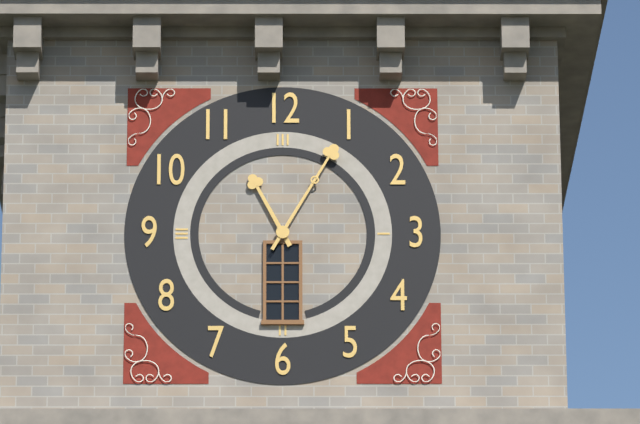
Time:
11:05
